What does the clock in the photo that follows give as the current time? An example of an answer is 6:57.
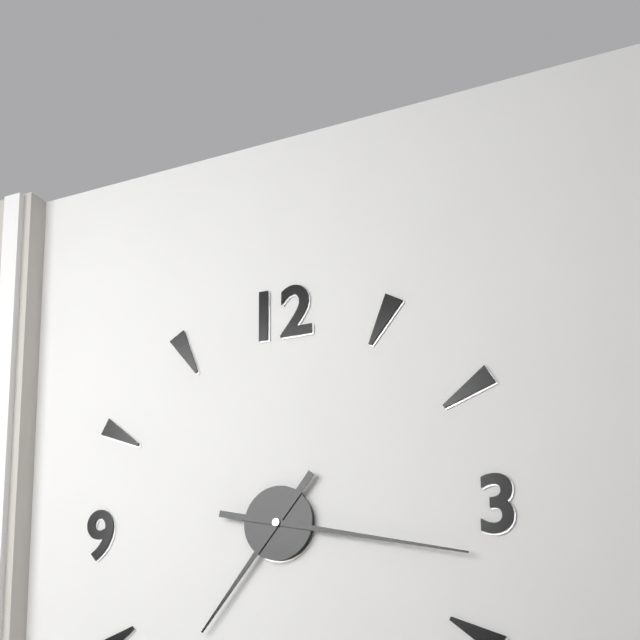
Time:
7:17
